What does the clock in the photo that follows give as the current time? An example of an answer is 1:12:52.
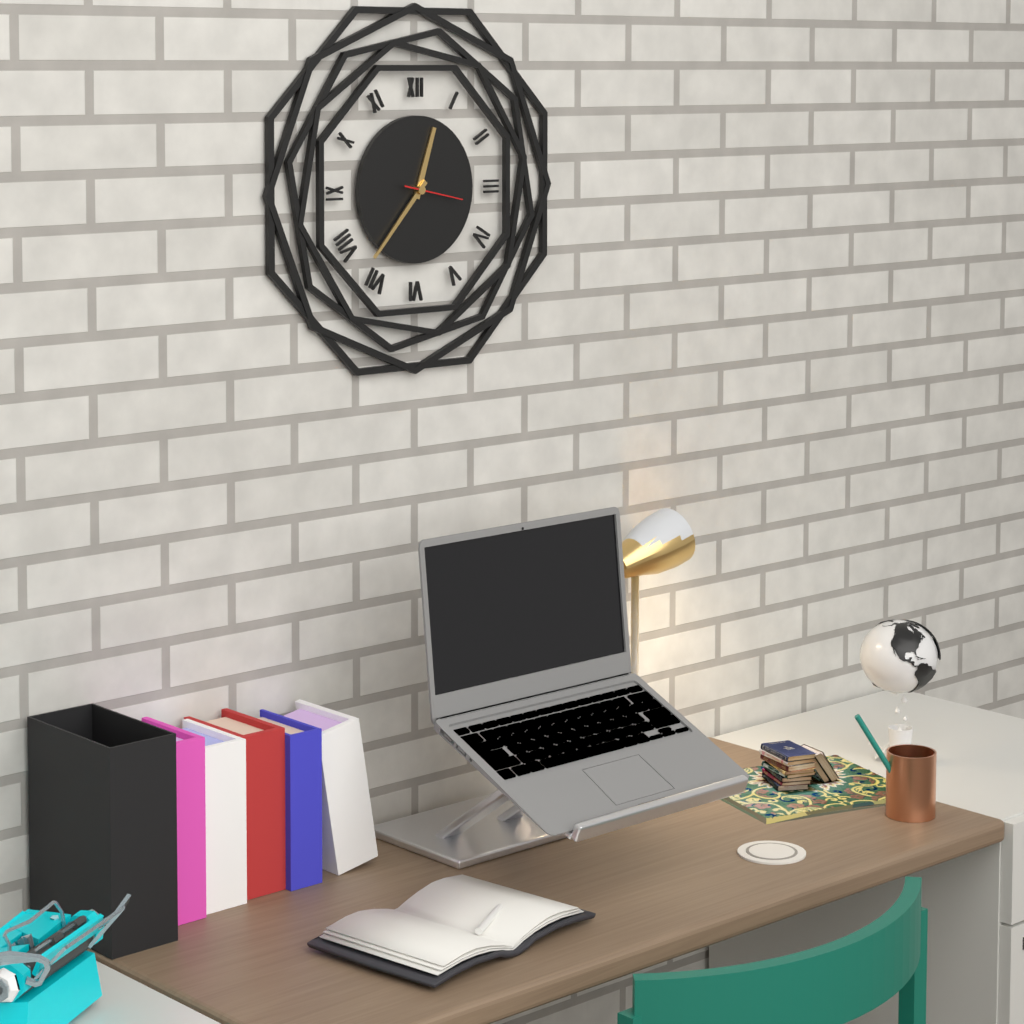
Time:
12:37:17
